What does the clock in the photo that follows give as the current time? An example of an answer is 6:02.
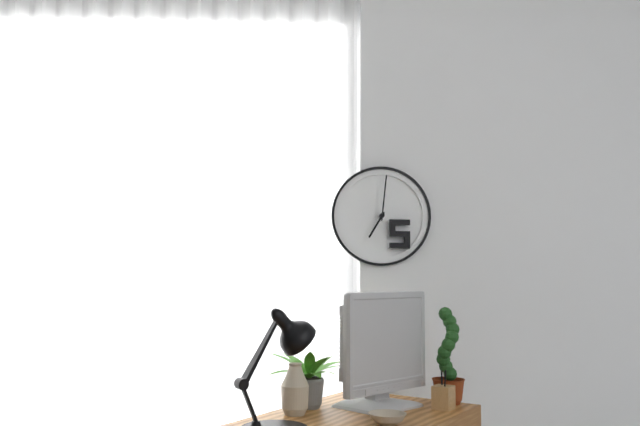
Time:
7:01
